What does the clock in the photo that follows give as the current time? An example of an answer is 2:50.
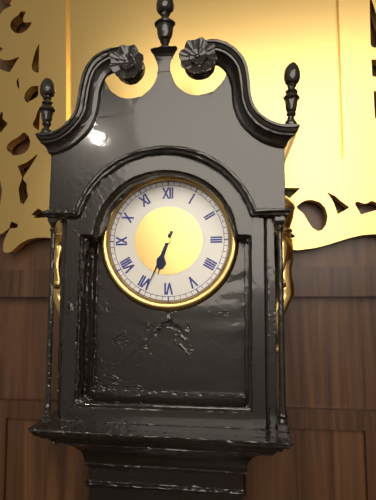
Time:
6:34
